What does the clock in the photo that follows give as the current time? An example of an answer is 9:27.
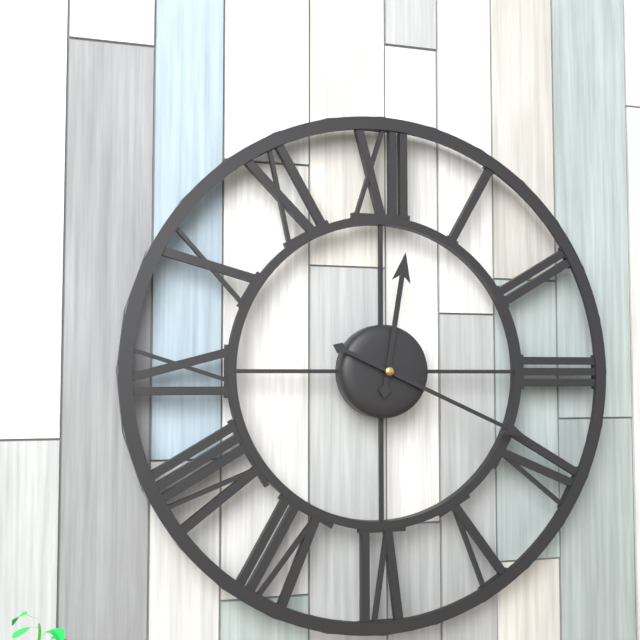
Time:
12:19
